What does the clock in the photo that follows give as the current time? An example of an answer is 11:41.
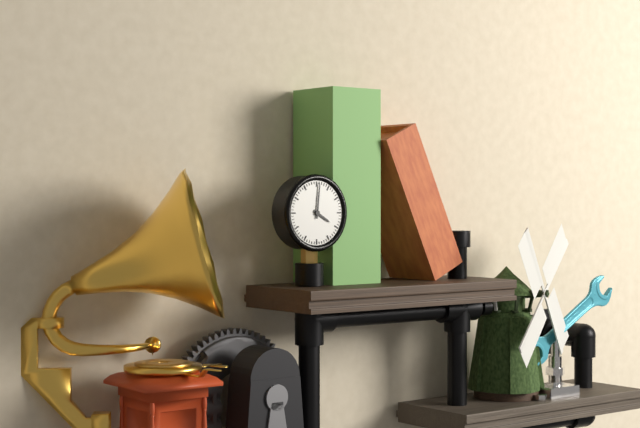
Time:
4:01
